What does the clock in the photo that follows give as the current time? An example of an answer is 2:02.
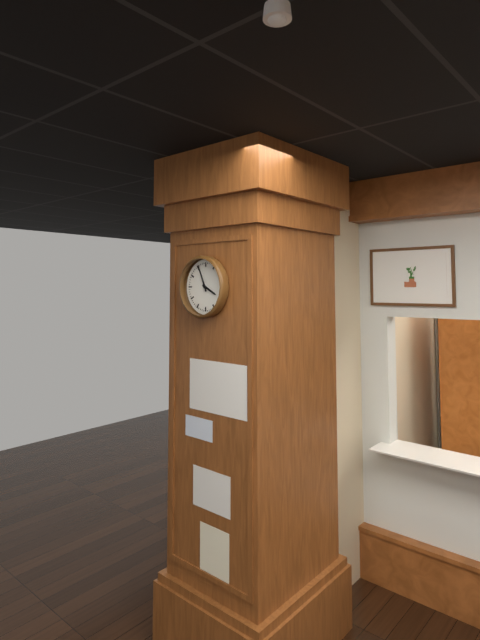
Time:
3:56
